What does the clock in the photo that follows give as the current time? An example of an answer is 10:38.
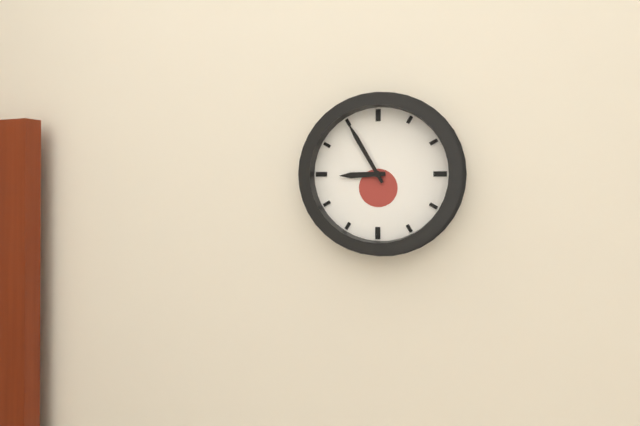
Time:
8:55
